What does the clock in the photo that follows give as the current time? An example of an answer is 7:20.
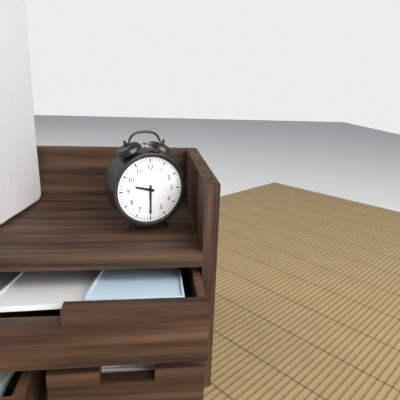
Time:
9:30
